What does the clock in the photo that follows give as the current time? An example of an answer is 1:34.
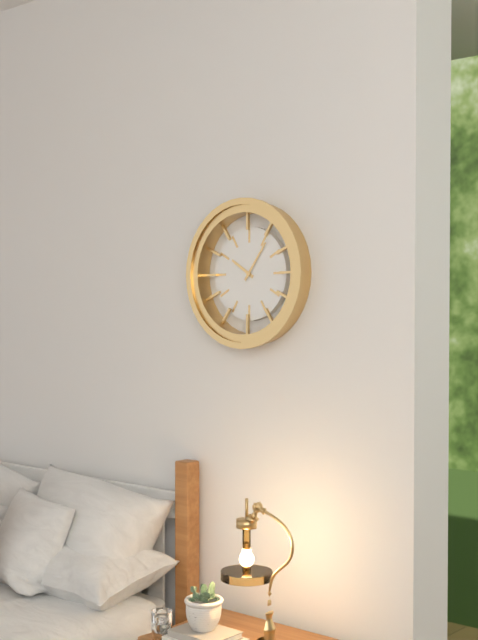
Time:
10:06
